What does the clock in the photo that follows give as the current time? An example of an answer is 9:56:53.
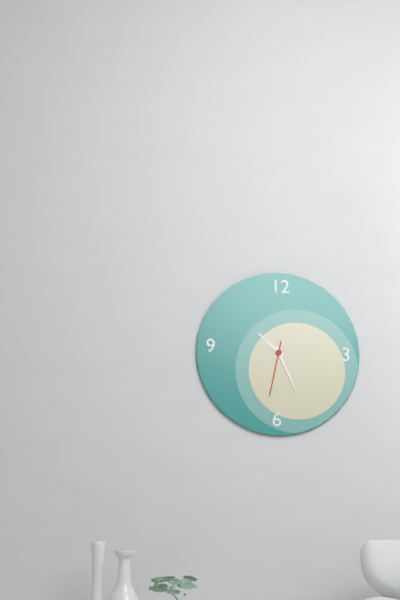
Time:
10:26:32
